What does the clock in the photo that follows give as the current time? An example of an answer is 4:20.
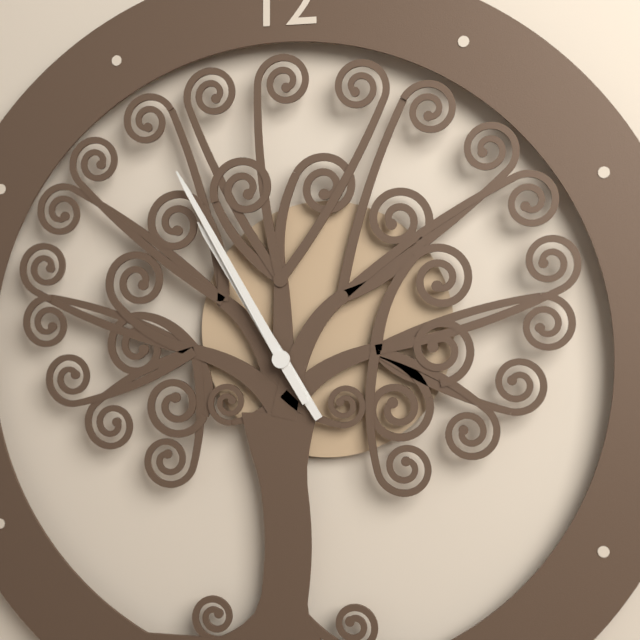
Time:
10:55
